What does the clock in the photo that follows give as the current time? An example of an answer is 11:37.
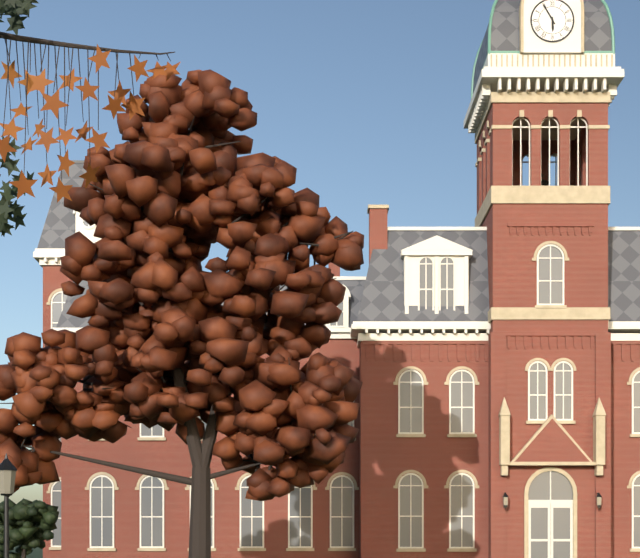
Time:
5:55
